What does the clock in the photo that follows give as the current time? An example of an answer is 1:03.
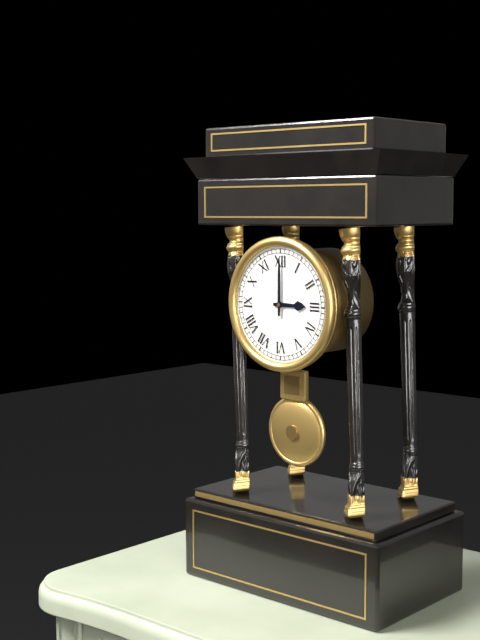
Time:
3:00
